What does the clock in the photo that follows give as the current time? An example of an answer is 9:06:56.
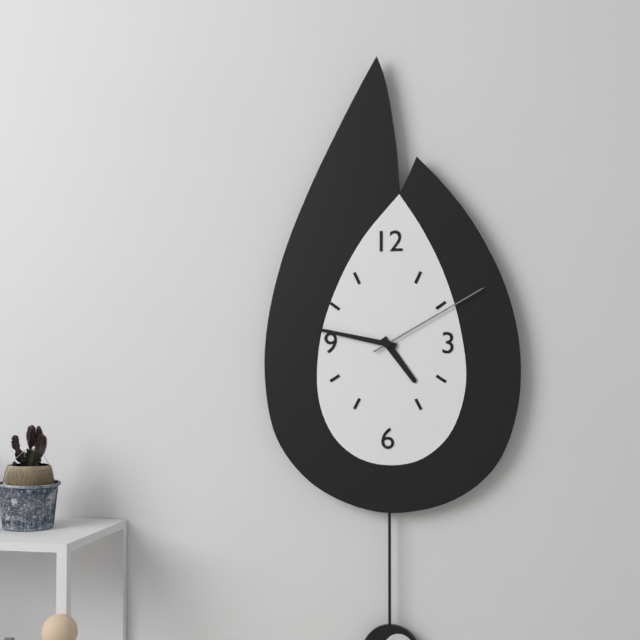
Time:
4:47:10
